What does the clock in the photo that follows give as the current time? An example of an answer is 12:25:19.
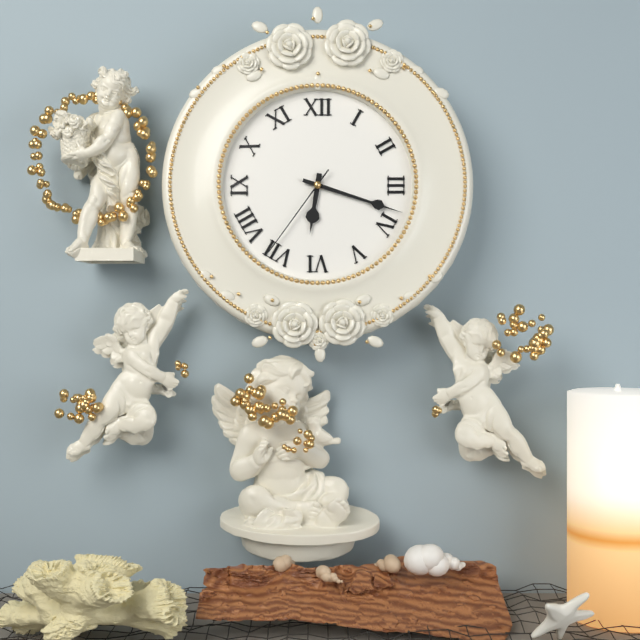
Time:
6:18:36
